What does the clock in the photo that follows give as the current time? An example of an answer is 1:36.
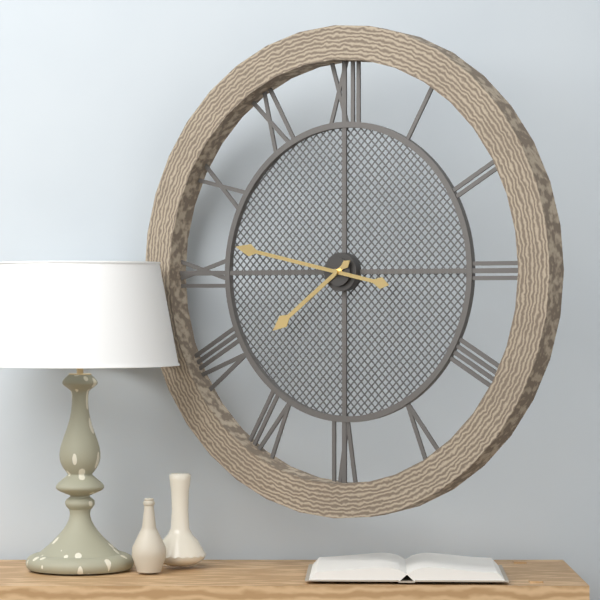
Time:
7:47
